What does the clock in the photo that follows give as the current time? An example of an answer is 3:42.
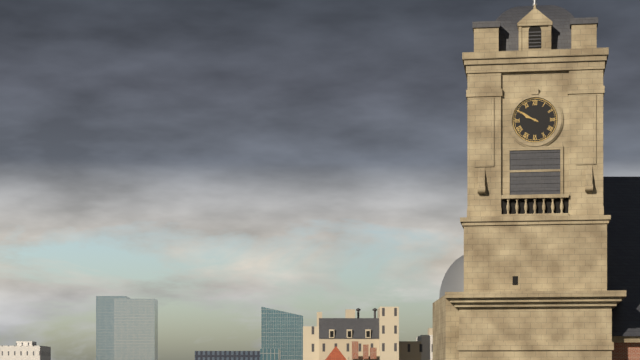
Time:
9:50
